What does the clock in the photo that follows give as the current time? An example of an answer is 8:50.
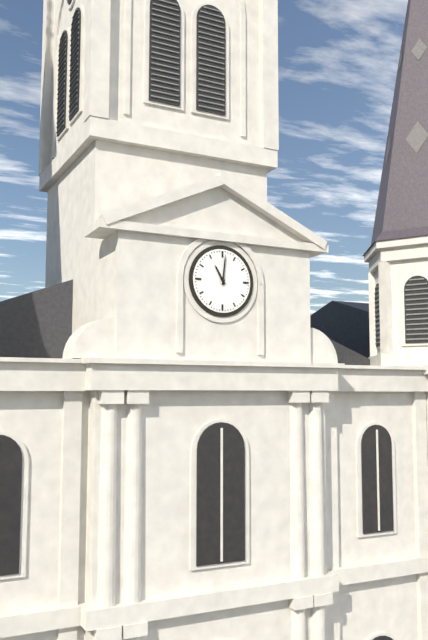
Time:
11:01
